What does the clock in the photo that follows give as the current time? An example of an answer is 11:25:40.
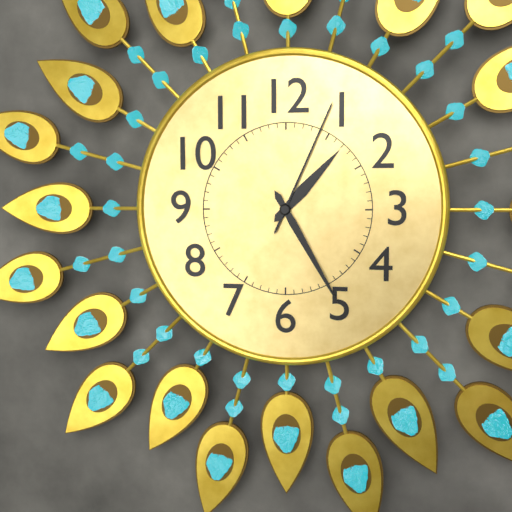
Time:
1:25:04
